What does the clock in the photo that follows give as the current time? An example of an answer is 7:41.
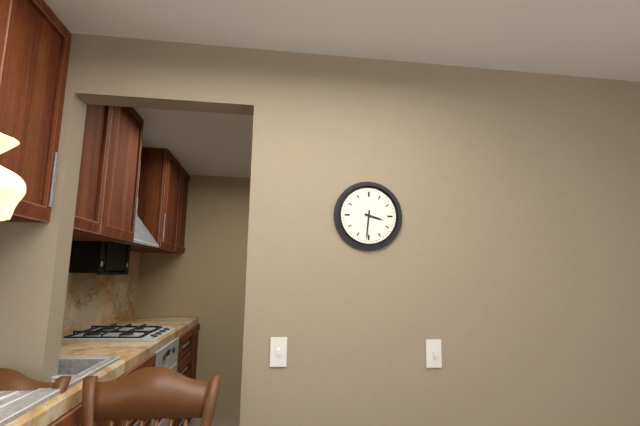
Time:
3:31
